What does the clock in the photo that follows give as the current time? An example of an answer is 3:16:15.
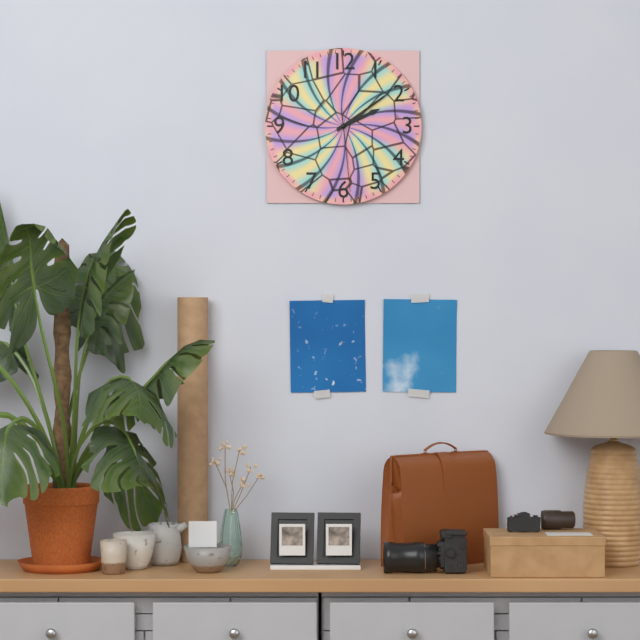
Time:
2:09:29
